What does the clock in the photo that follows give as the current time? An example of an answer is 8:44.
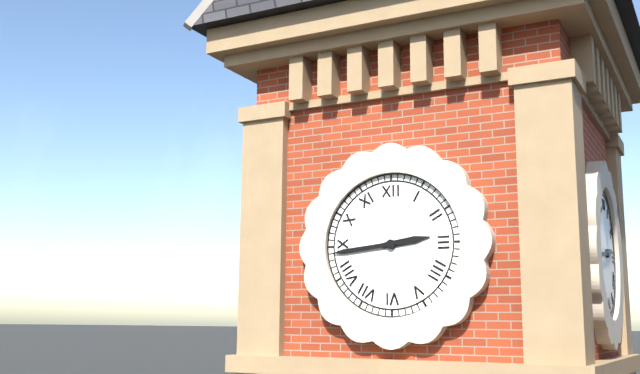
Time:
2:44
